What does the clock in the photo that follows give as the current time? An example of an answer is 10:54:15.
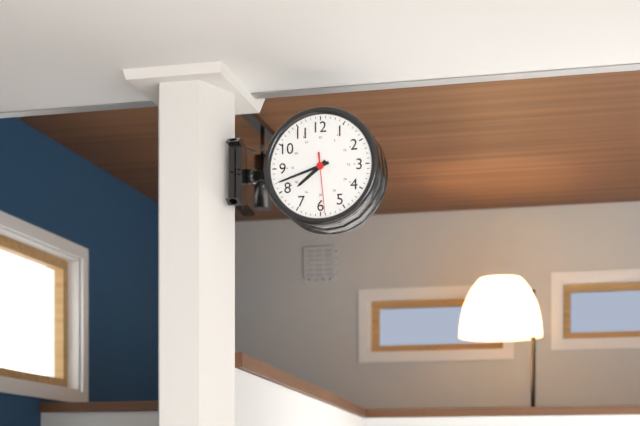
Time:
7:42:29
